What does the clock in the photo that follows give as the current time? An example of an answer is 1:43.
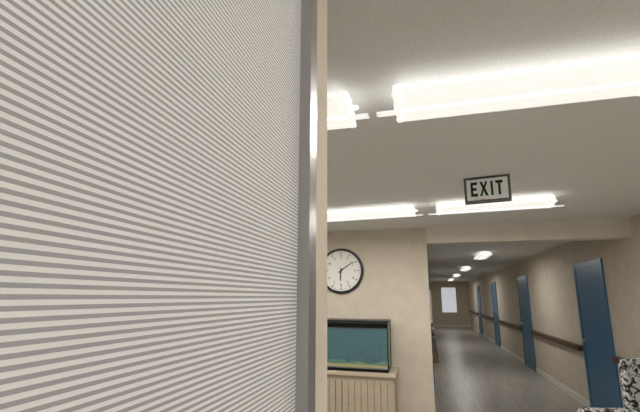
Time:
6:09
